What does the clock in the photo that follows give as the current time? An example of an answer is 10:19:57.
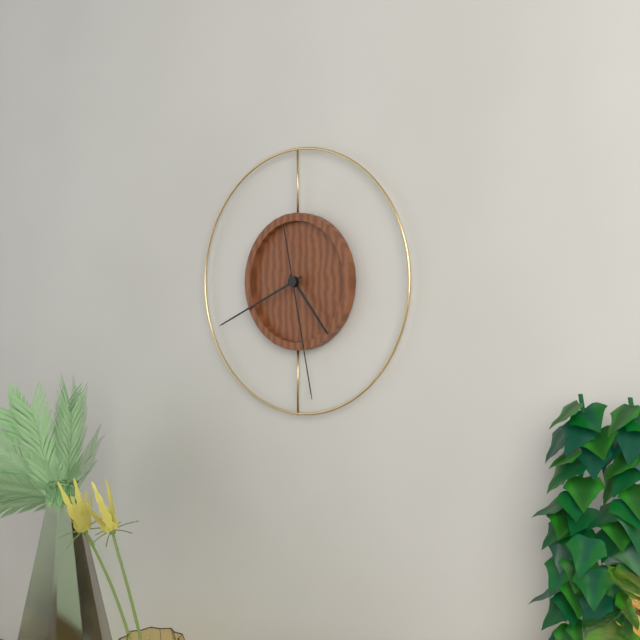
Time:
4:41:28
